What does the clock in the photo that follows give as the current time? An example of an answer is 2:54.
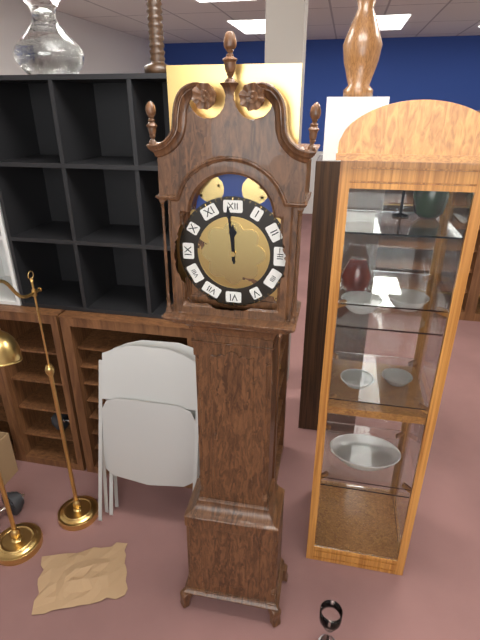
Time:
11:59
